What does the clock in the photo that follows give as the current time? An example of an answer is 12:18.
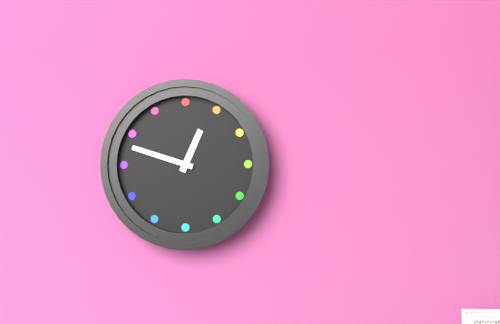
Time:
12:48
